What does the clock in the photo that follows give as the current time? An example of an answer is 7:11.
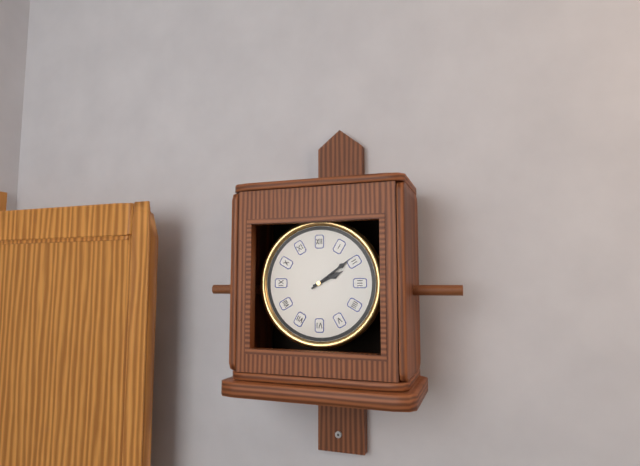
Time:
2:09
